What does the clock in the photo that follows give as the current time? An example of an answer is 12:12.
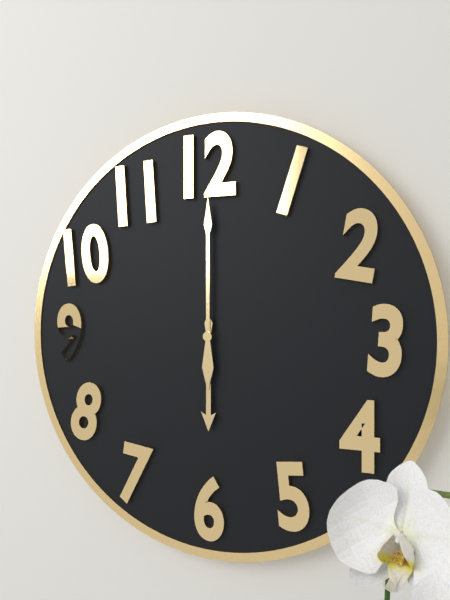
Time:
6:00
